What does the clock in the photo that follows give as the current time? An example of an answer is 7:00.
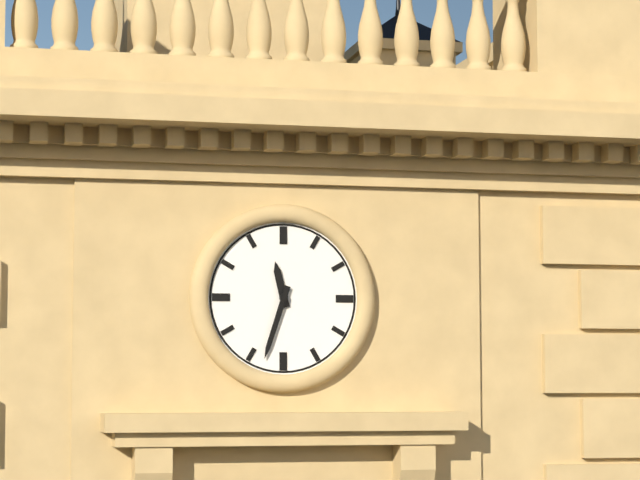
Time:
11:33
